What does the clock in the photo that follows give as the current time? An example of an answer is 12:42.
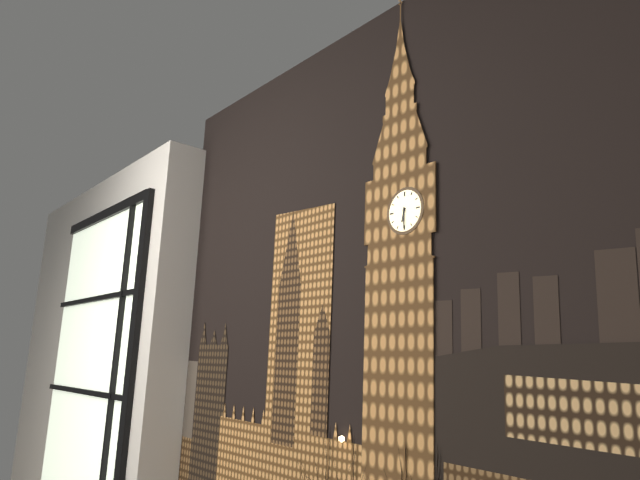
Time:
6:30
